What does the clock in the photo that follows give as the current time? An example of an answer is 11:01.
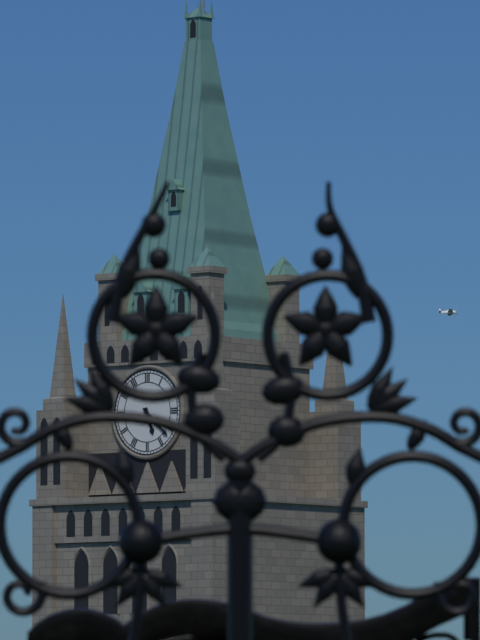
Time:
5:22
